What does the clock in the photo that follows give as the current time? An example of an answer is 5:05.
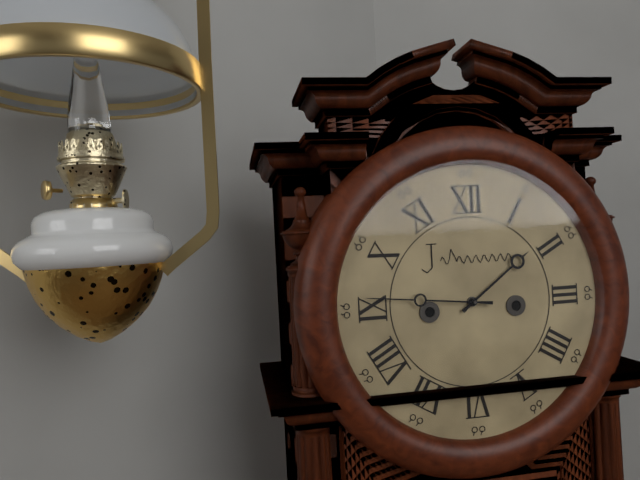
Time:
1:46
